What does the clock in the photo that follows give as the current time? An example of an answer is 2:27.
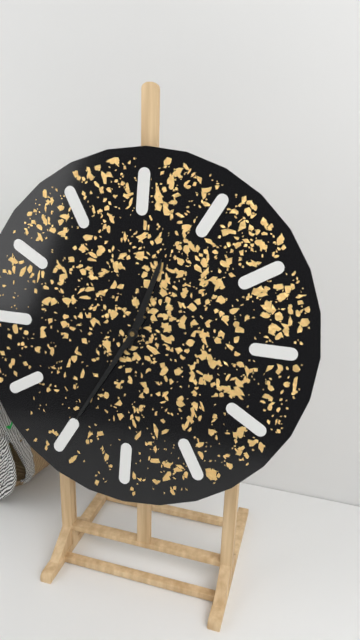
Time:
12:35
